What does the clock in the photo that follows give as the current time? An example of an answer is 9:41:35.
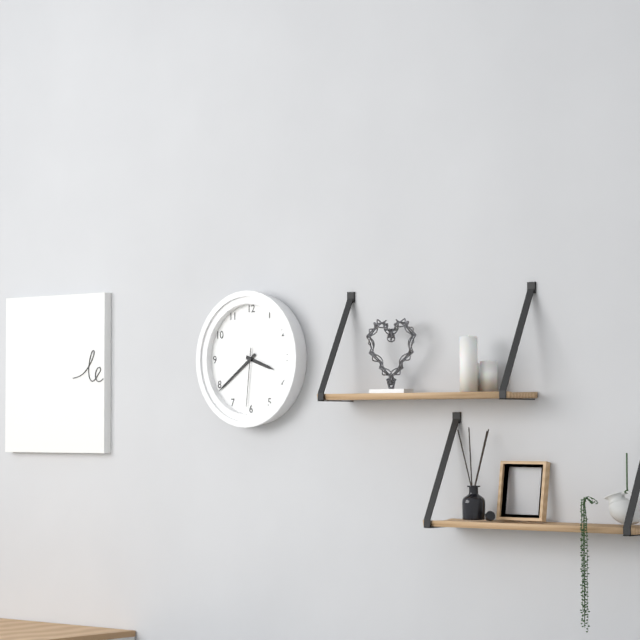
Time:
3:39:31
